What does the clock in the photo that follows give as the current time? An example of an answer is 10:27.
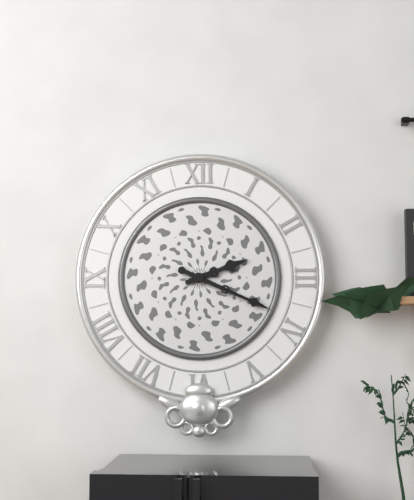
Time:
2:19
